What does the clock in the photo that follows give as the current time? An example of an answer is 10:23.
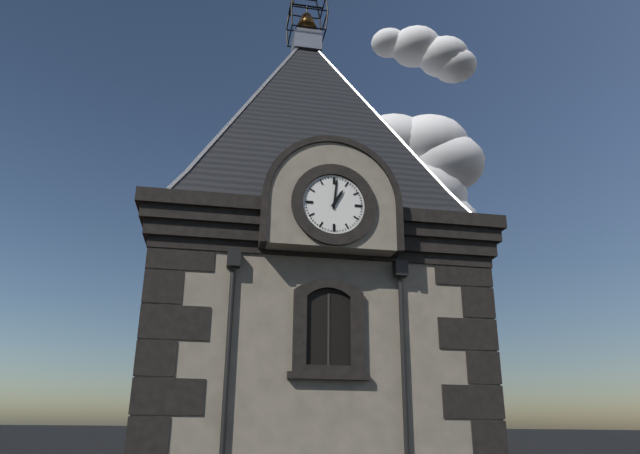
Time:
1:01
